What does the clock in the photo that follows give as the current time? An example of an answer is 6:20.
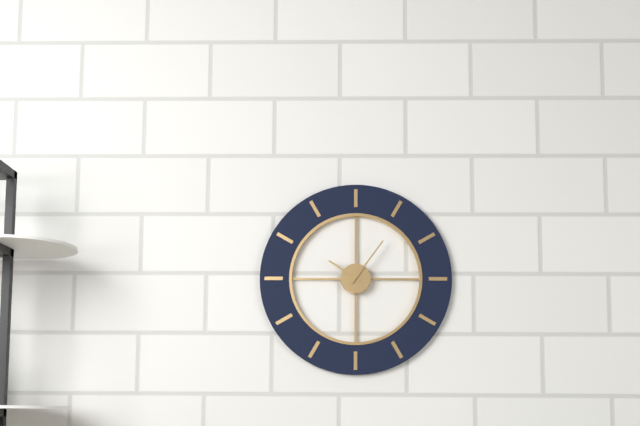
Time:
10:06
